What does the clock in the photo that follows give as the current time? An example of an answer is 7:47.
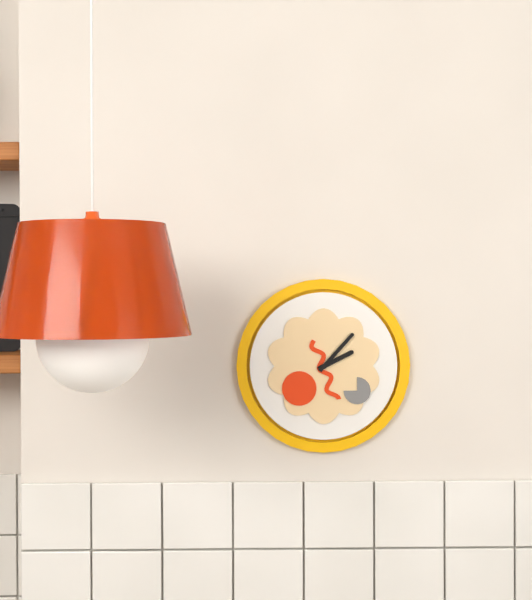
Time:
2:07
